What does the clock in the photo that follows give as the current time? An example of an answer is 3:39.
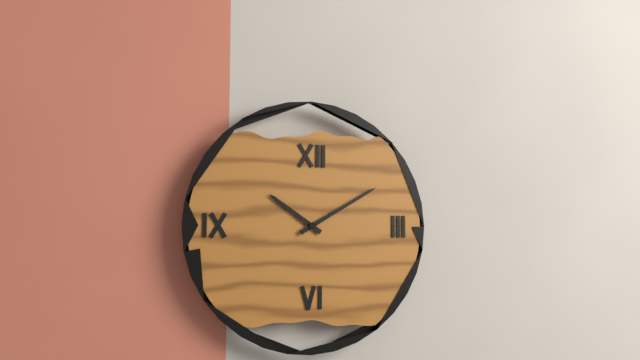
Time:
10:10
